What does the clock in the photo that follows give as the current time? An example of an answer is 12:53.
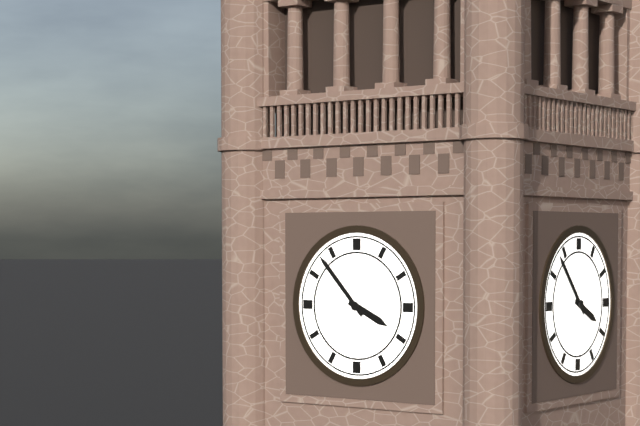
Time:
3:53
